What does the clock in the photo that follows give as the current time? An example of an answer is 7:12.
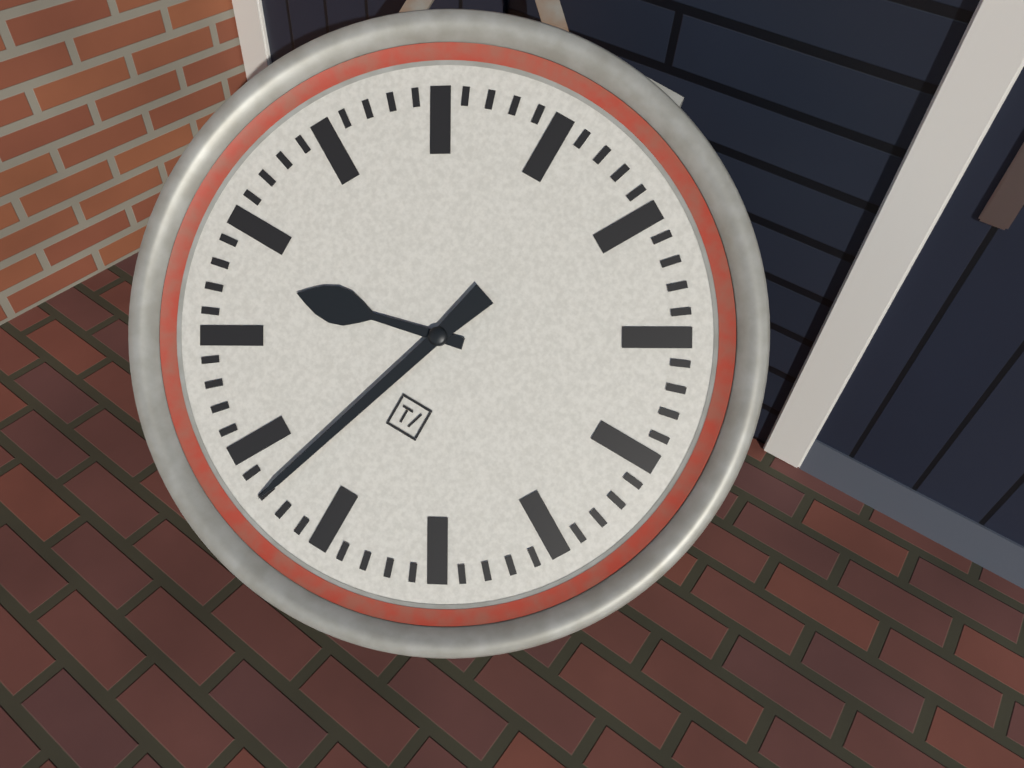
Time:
8:33
